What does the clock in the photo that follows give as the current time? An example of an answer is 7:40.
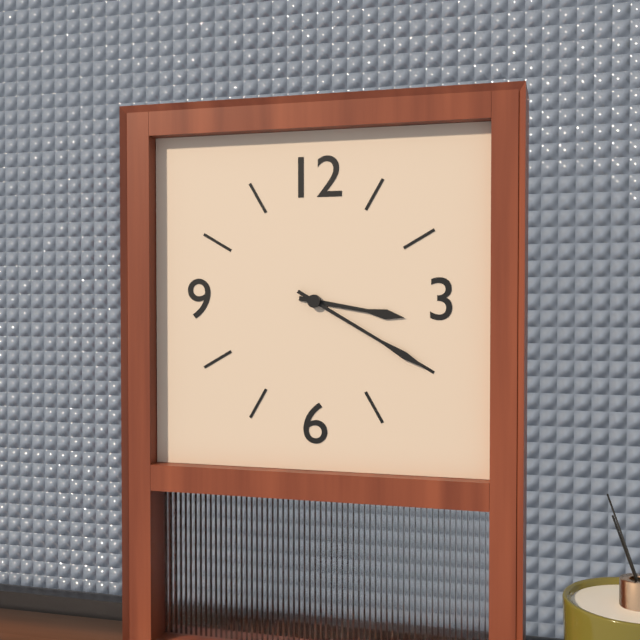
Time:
3:20
